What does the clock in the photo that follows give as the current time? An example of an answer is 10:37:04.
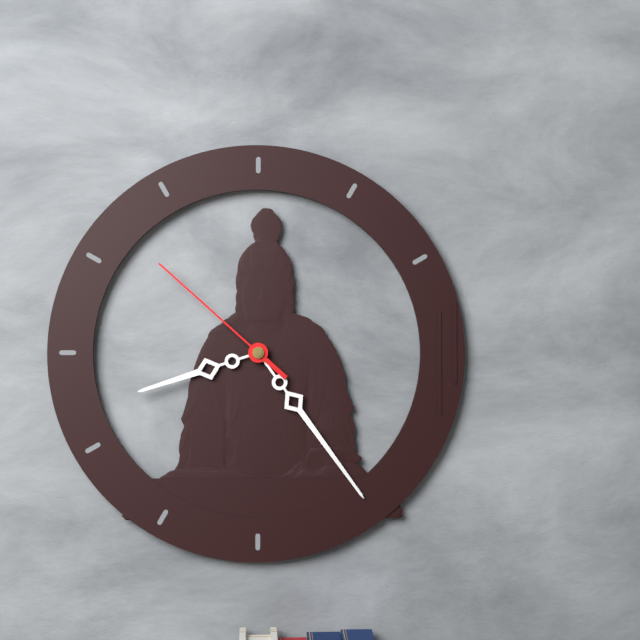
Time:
8:24:52
